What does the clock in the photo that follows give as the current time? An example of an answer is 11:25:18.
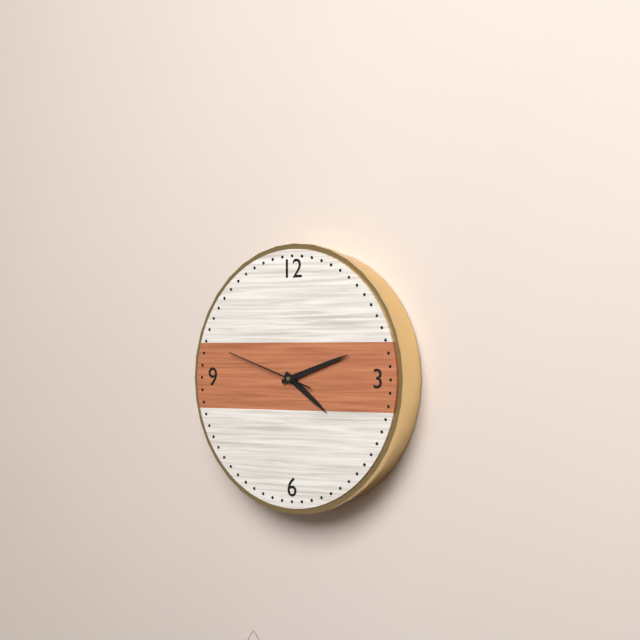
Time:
4:12:48
